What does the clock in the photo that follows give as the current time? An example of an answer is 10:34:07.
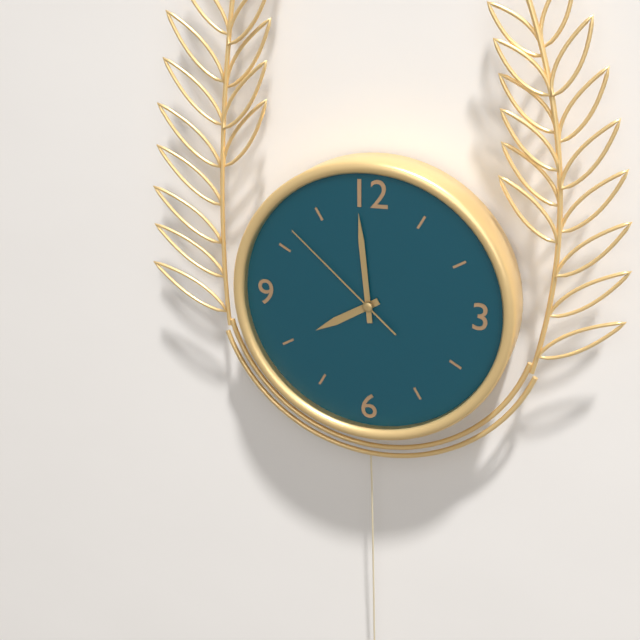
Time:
7:59:52
